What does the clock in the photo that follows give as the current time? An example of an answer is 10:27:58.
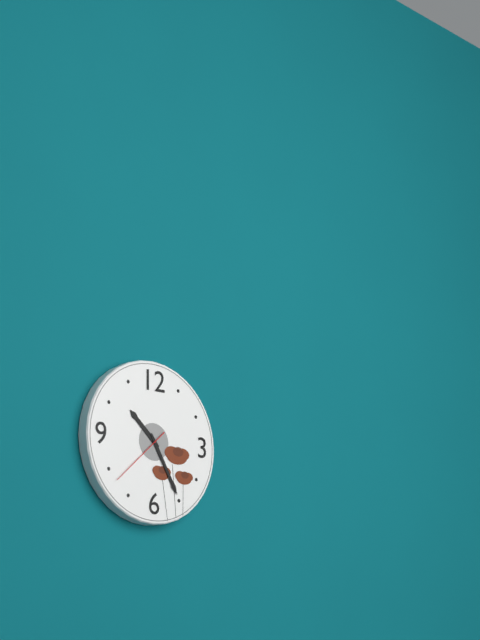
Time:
10:25:38
